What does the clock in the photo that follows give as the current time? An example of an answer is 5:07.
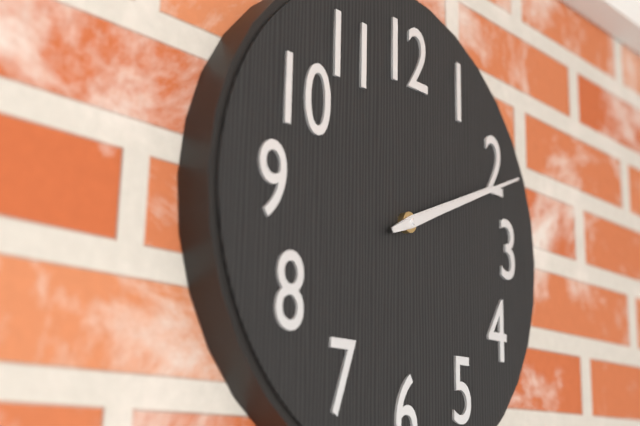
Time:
2:11
